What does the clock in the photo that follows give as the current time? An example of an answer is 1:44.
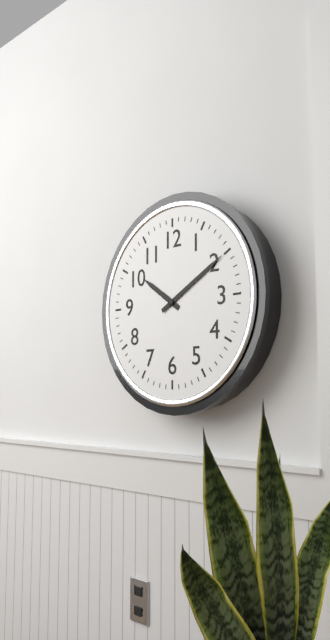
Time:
10:10
